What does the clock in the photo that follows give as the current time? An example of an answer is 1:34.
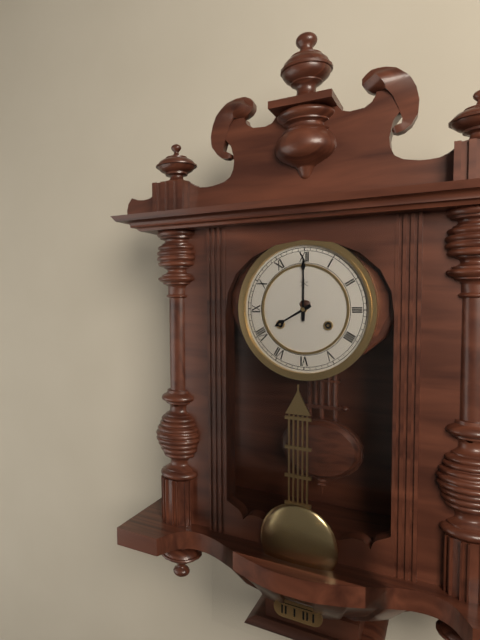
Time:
8:00
